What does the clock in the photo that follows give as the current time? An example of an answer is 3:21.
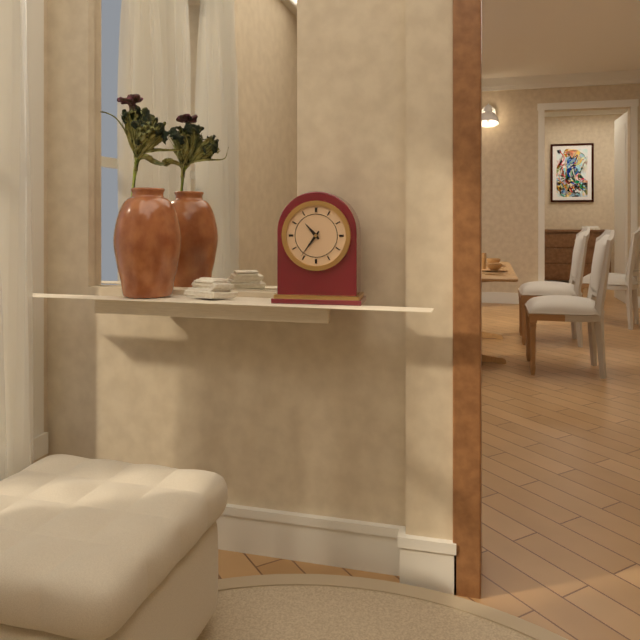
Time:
10:36
